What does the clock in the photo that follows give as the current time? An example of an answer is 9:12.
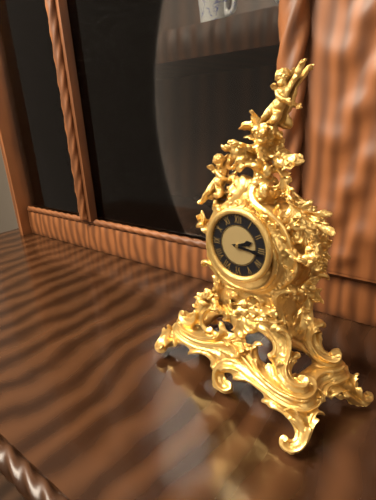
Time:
2:16
